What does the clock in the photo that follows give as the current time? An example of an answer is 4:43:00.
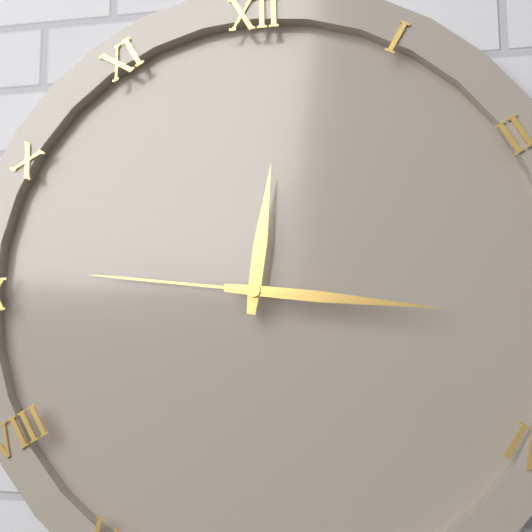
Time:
12:16:46
